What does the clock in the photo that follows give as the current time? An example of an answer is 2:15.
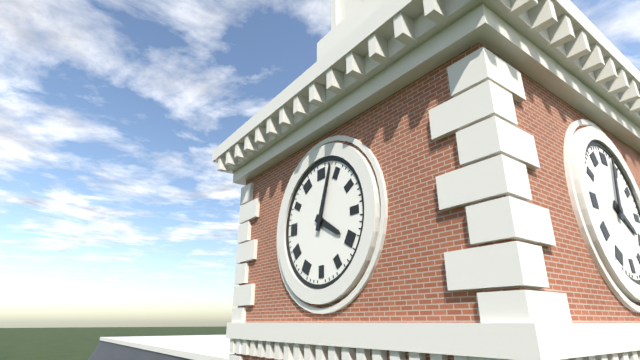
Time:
4:03
